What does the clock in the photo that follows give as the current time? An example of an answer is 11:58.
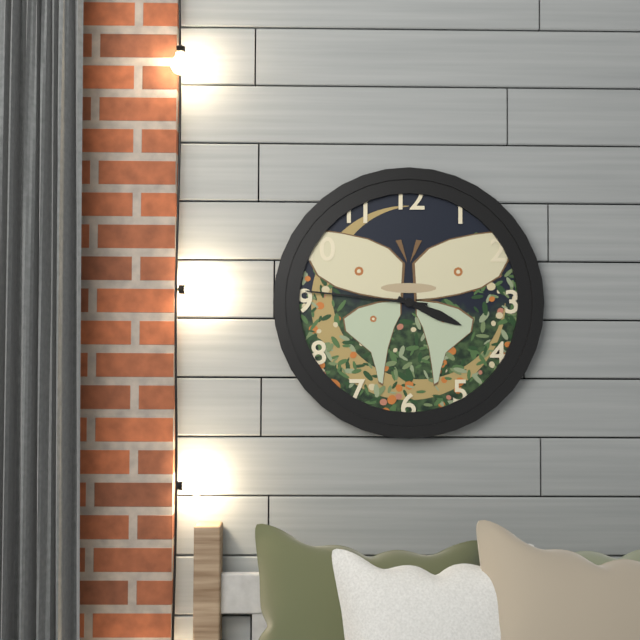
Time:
3:46
